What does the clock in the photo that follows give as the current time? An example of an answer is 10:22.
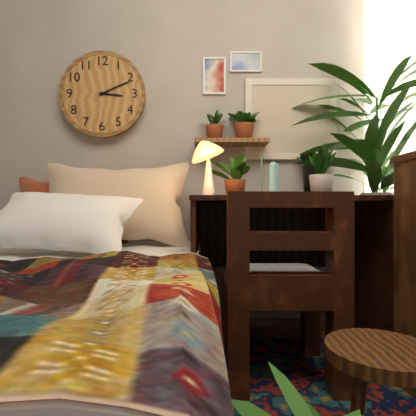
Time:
3:11
